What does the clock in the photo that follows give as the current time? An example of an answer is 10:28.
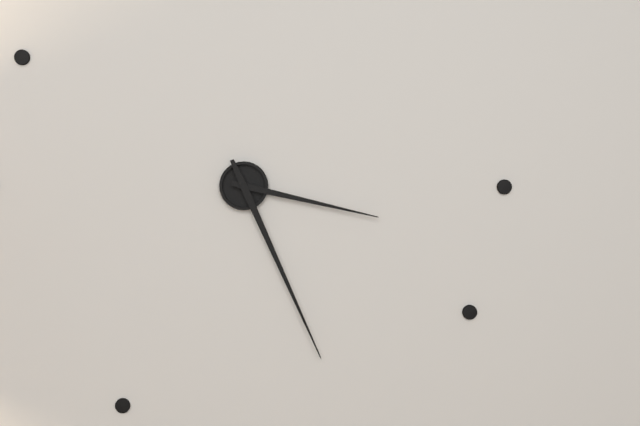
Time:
3:26
